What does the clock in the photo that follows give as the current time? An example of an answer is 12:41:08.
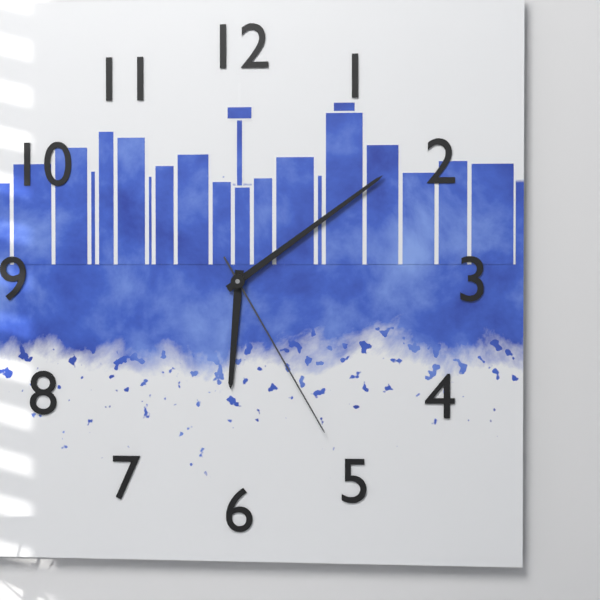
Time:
6:09:25
